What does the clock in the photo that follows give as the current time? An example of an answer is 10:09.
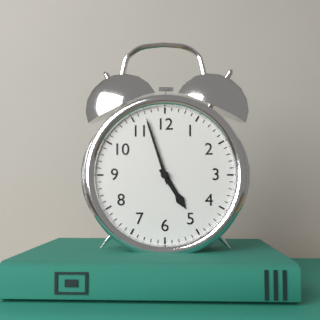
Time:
4:57
